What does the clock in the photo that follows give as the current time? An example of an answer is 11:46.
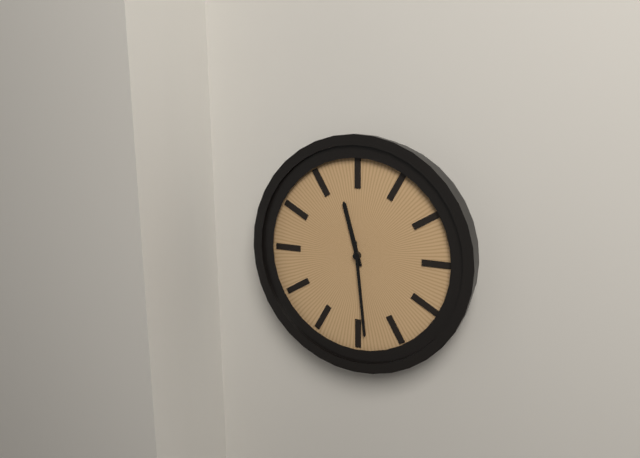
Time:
11:29
